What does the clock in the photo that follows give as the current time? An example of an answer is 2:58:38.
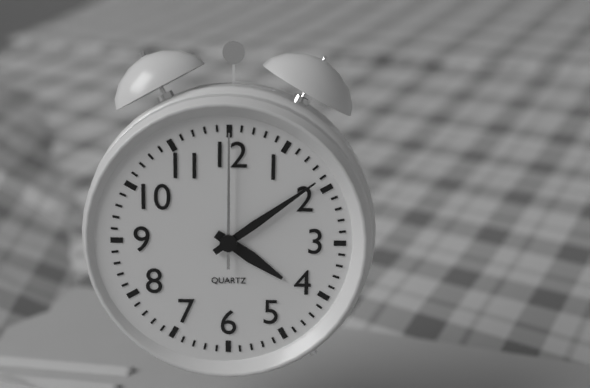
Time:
4:09:00
